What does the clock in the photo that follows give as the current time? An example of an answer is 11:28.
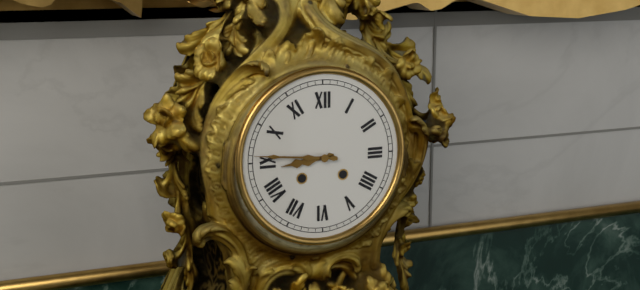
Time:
8:46
